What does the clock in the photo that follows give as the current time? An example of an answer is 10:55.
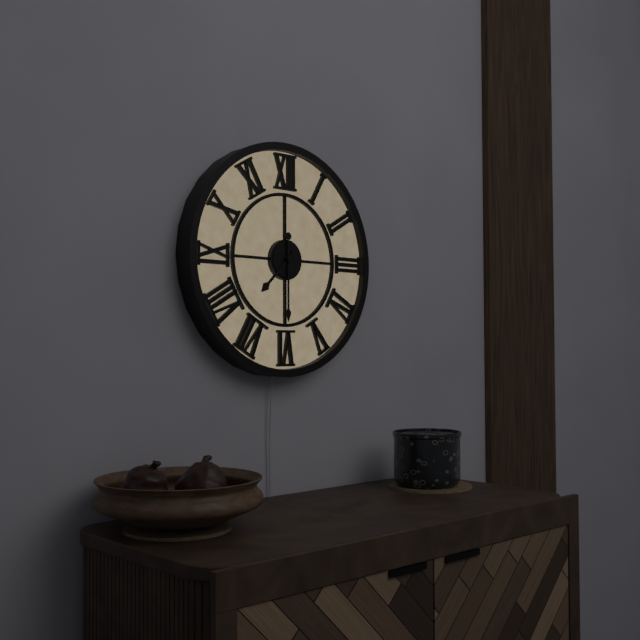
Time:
7:30
